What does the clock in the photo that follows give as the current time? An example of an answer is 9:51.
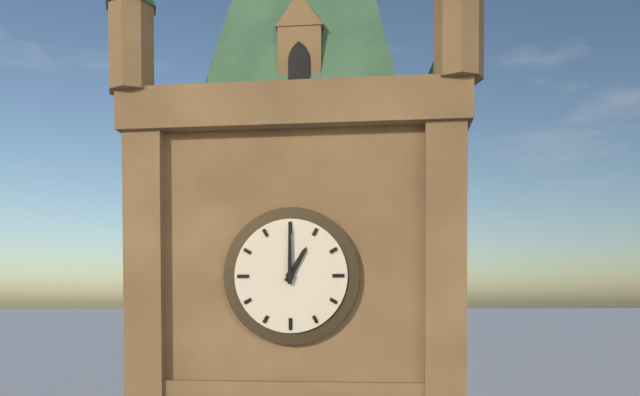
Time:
1:00
